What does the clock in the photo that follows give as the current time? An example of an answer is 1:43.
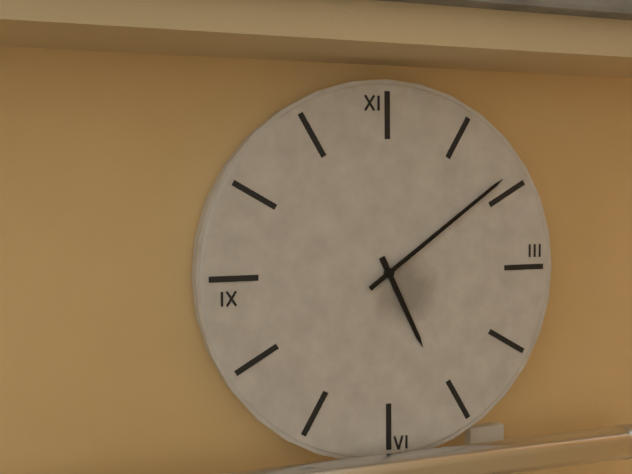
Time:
5:09
